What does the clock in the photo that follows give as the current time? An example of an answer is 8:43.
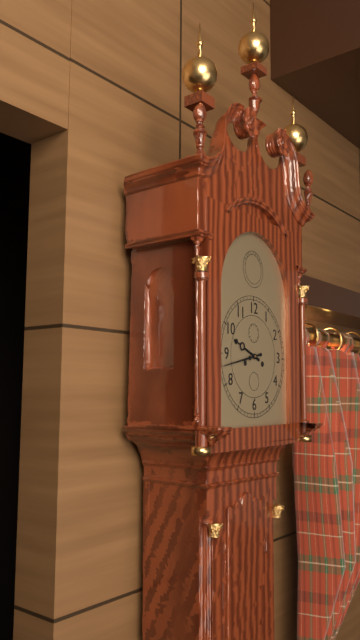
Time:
9:43
